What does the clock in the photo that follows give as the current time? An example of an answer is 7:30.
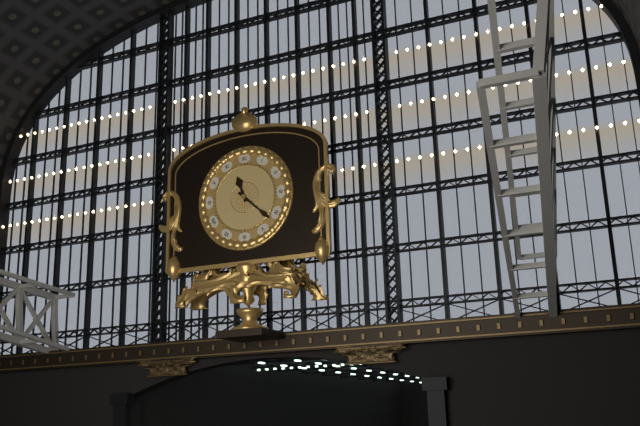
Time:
11:22
